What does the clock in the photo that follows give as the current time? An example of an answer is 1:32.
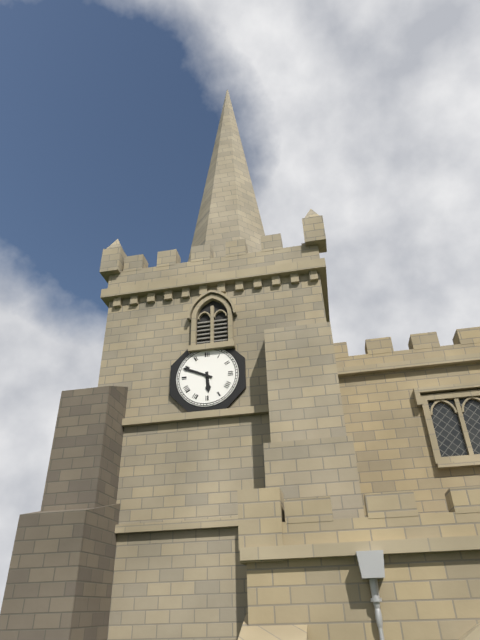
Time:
5:49
